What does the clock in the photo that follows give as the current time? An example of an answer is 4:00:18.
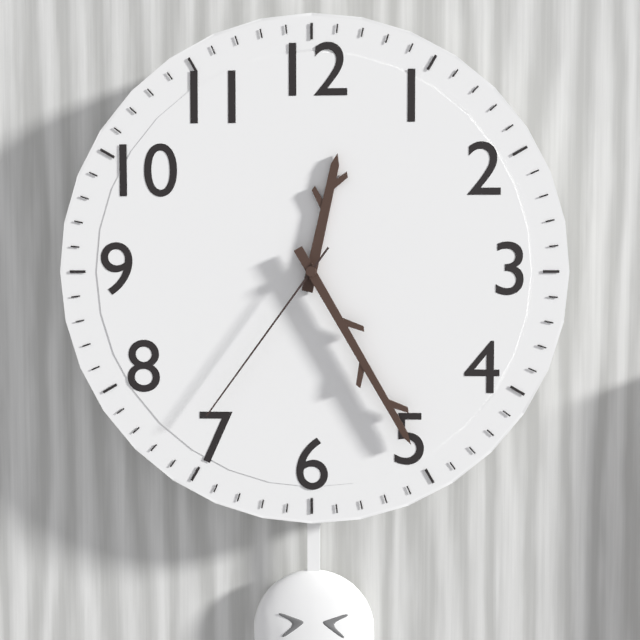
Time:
12:25:36
